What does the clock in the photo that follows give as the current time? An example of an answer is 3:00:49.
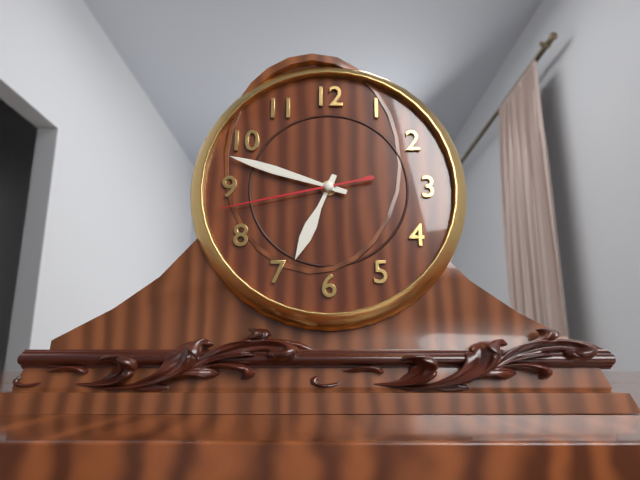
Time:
6:48:43
